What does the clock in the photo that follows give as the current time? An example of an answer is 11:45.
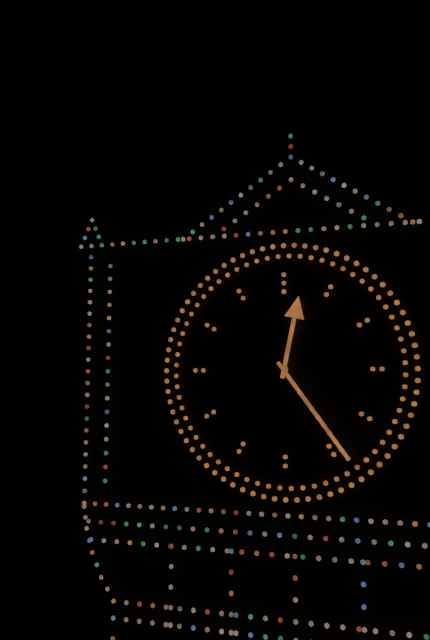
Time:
12:24
